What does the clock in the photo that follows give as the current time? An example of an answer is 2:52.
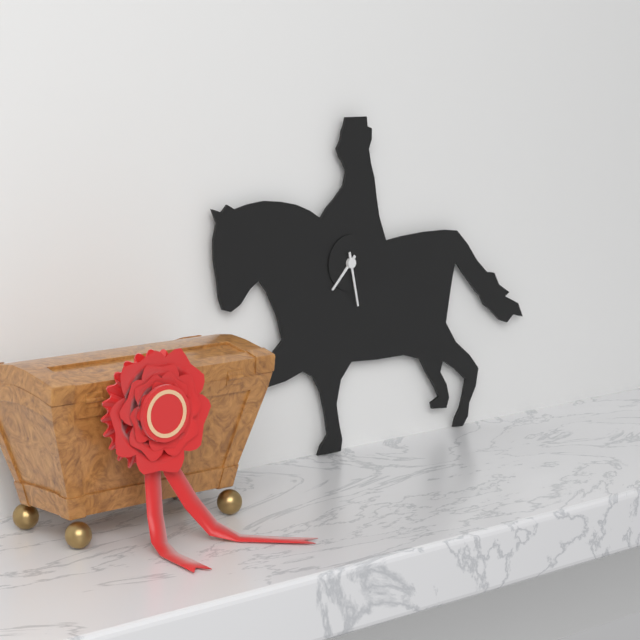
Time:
7:28
